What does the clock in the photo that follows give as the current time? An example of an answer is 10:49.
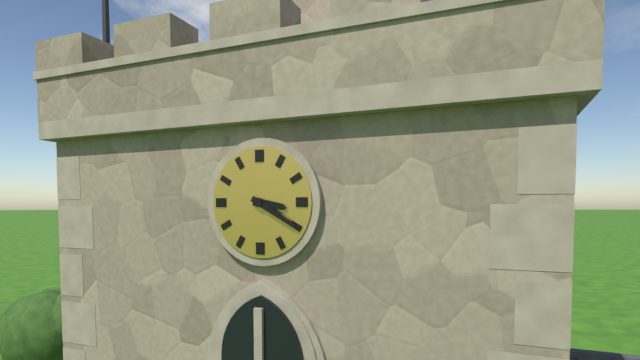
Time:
3:20
